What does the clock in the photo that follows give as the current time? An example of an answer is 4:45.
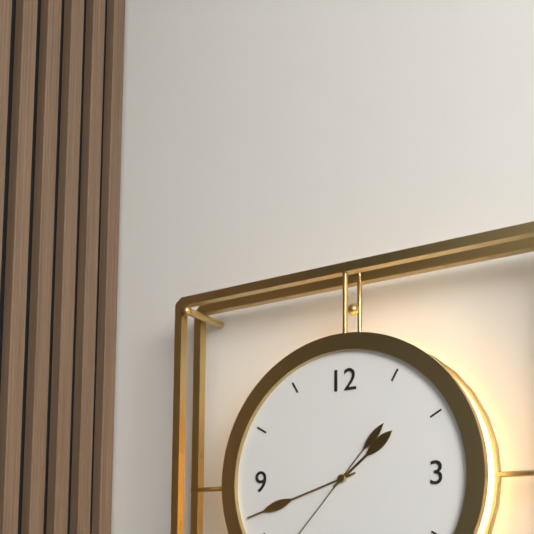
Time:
1:42
